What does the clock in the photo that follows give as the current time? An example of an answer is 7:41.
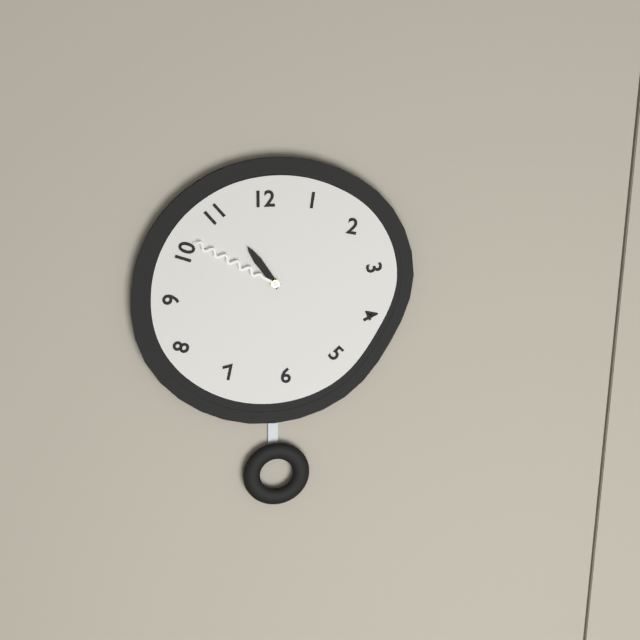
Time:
10:50
